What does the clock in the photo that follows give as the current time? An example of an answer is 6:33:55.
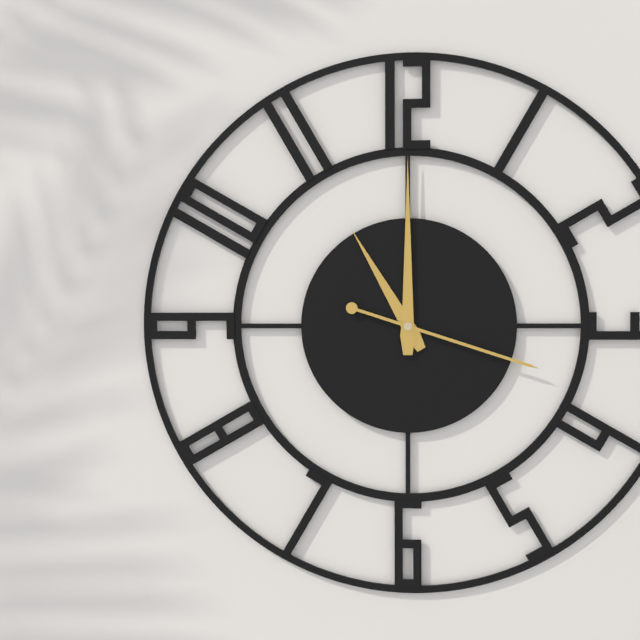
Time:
11:00:18
